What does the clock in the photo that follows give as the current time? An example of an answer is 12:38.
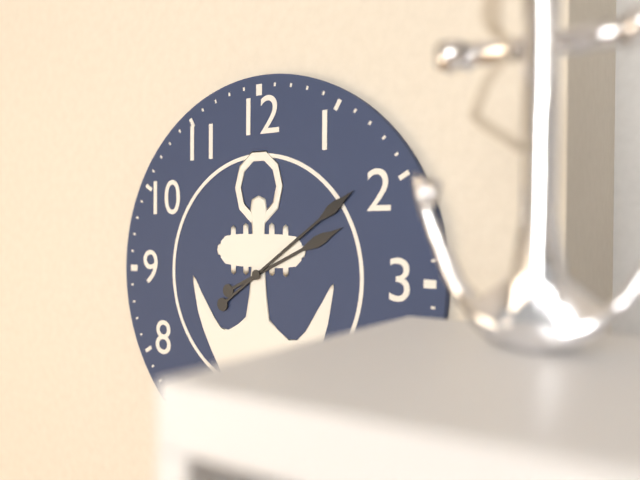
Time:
2:09
